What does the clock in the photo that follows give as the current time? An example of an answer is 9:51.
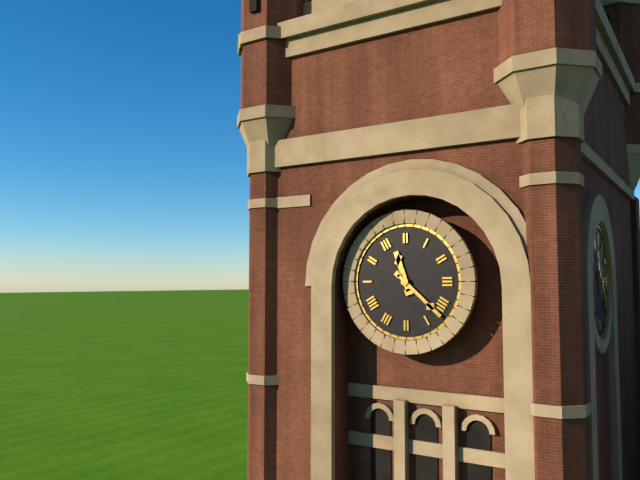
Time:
11:22
